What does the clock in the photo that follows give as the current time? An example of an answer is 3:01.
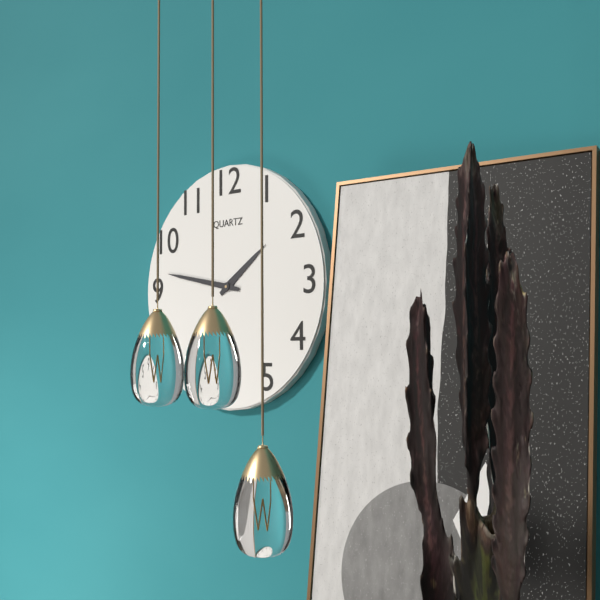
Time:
1:47
